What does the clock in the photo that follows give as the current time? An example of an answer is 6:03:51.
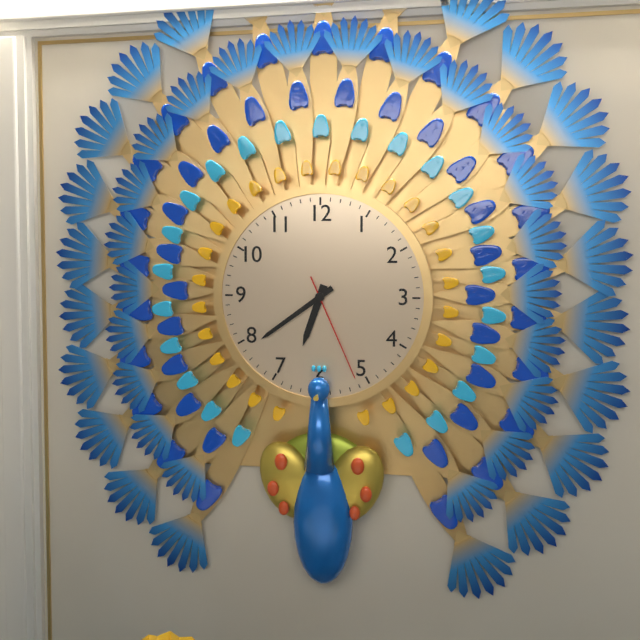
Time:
6:39:26
